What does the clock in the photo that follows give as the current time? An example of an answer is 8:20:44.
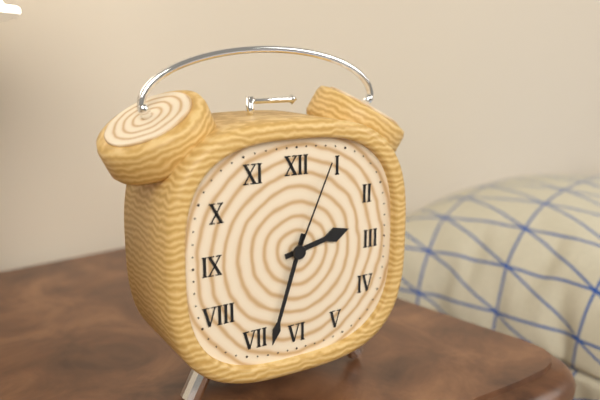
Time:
2:33:04
